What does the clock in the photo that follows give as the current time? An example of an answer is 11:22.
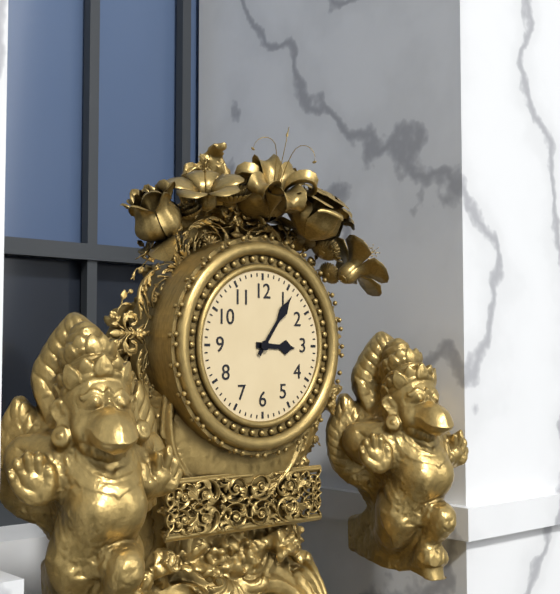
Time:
3:06
